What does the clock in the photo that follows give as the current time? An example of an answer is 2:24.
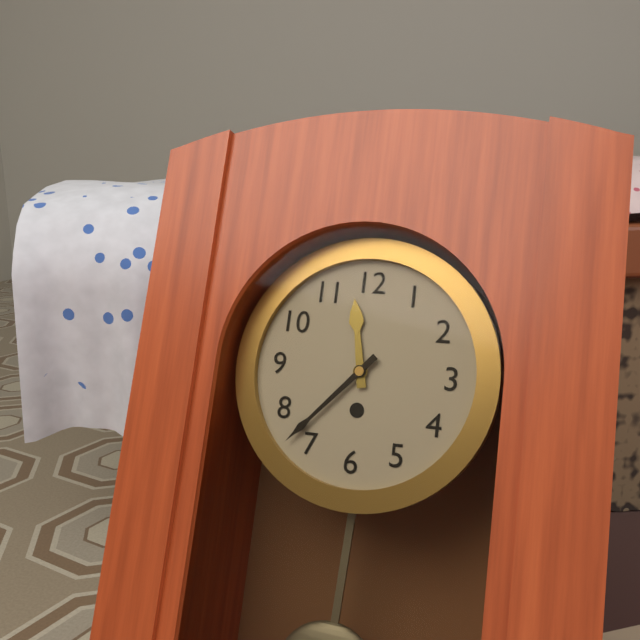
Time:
11:37
